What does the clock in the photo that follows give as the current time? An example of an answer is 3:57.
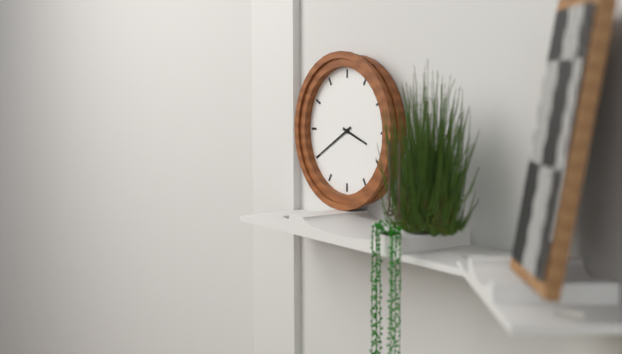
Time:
3:40
